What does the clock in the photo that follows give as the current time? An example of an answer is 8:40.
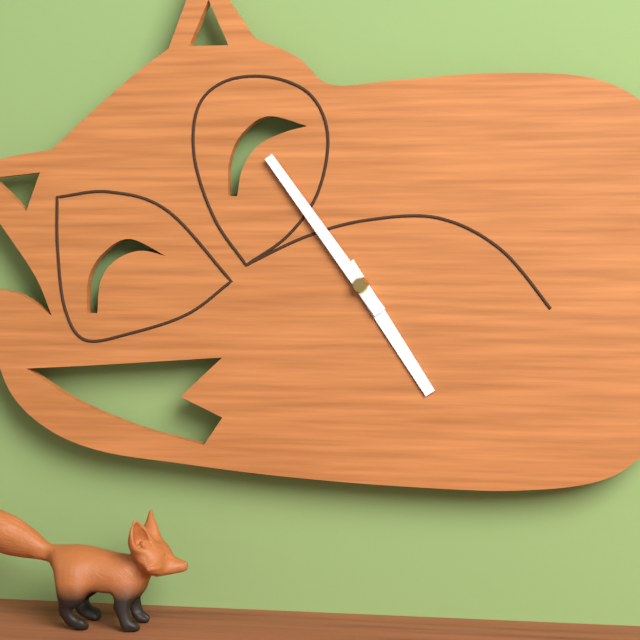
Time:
4:54
